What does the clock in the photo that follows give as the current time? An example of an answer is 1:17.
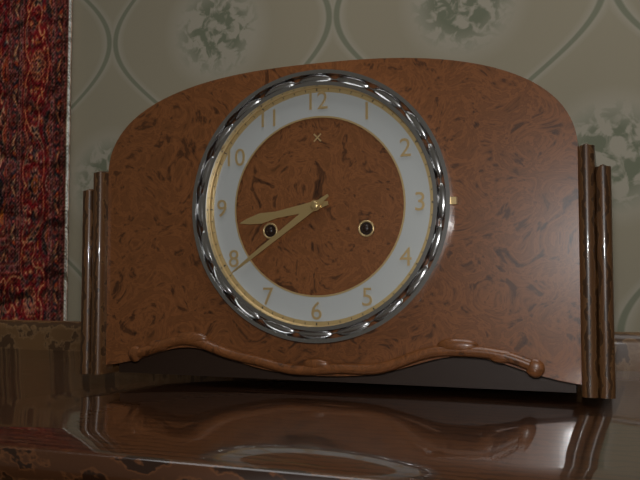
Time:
8:39
